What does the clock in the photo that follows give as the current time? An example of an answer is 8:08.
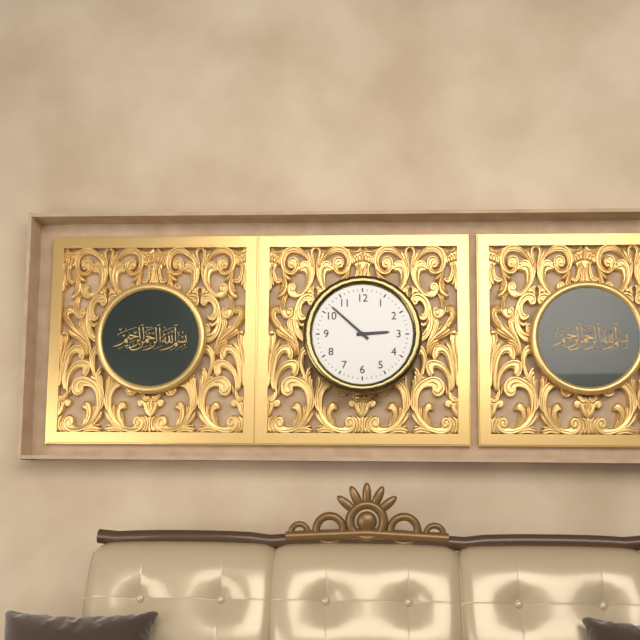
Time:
2:52
